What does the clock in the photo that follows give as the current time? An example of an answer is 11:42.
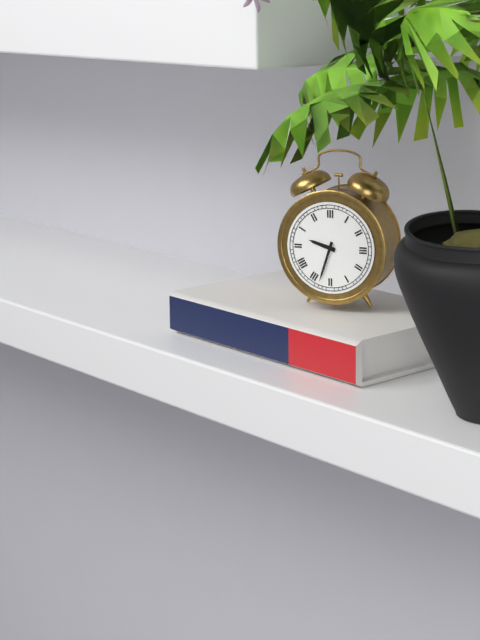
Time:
9:33
